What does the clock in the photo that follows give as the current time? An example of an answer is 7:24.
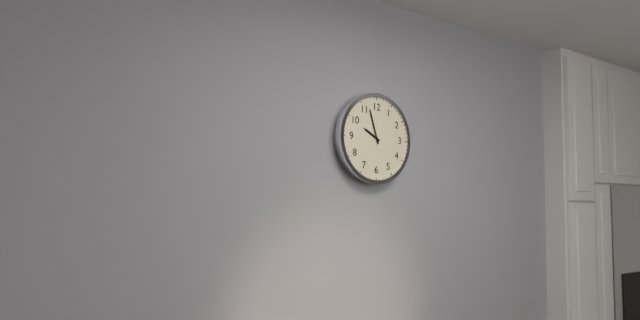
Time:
9:57
